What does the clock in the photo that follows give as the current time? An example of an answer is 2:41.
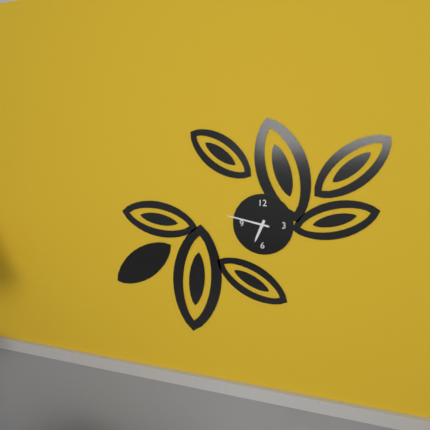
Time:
6:47
